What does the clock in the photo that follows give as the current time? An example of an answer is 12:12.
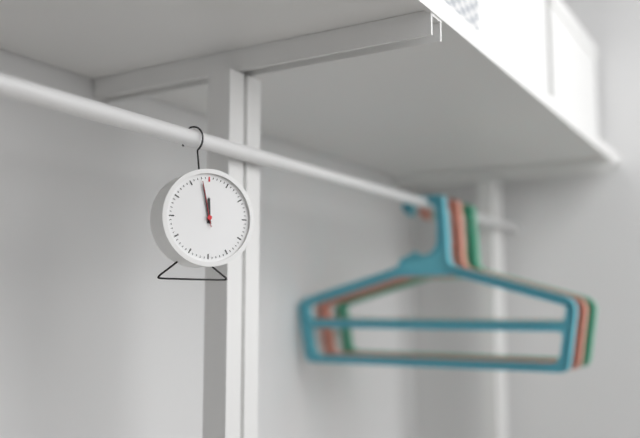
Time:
11:58
